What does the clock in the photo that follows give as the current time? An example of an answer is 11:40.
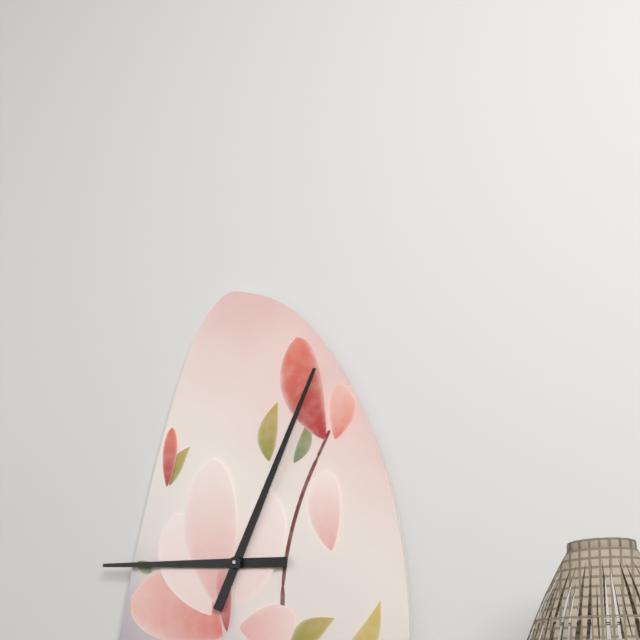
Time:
9:04
